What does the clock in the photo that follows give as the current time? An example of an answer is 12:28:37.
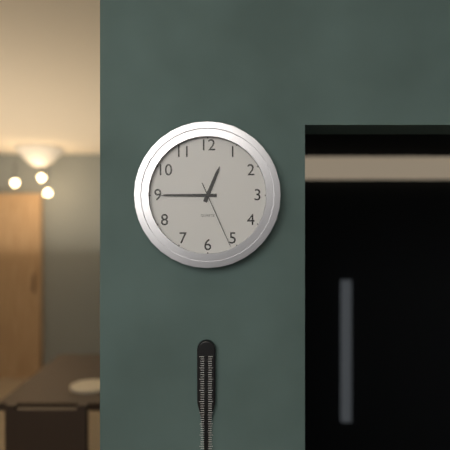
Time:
12:45:26
